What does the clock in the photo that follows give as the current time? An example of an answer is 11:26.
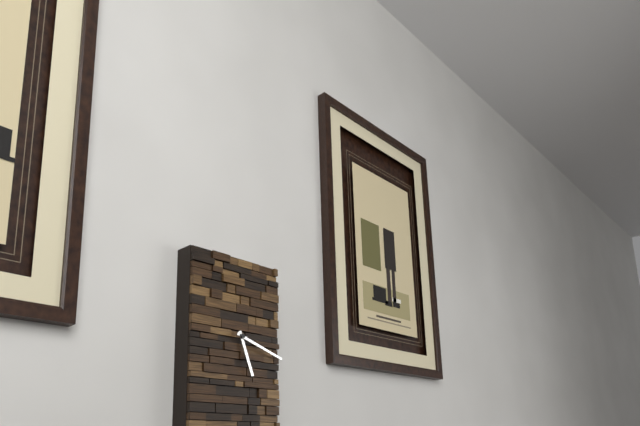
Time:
5:18
